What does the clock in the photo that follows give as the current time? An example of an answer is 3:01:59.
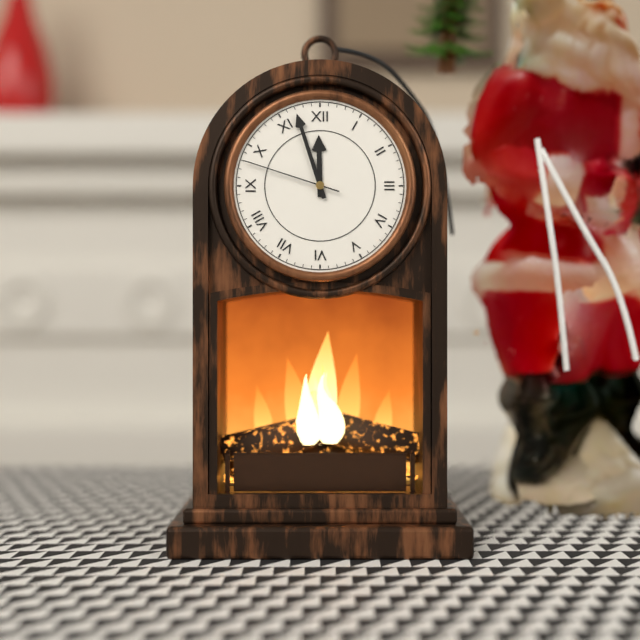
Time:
11:57:48
